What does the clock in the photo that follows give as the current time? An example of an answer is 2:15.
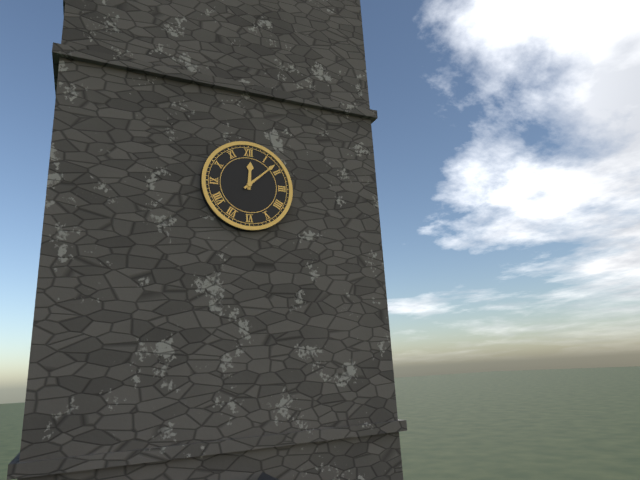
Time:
12:08
